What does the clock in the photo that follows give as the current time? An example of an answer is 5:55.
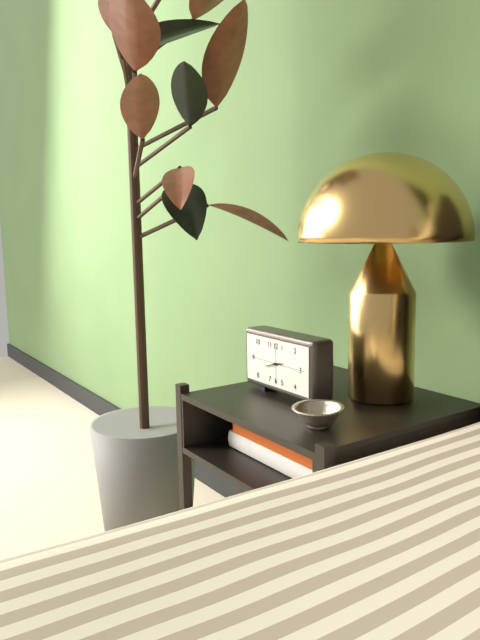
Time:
2:42
